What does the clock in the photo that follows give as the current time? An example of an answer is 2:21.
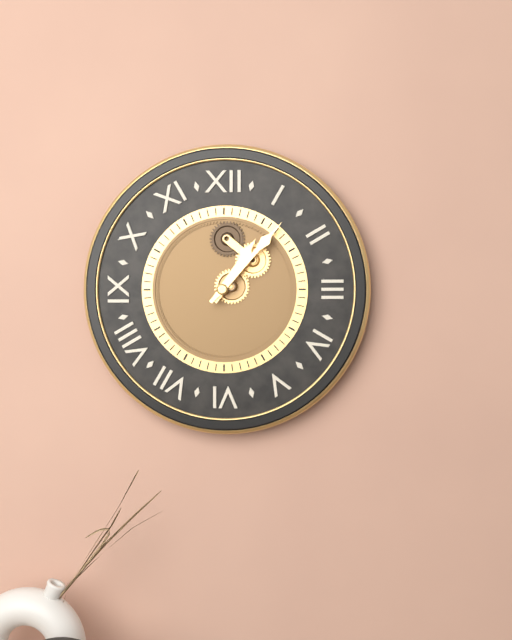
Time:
1:07
